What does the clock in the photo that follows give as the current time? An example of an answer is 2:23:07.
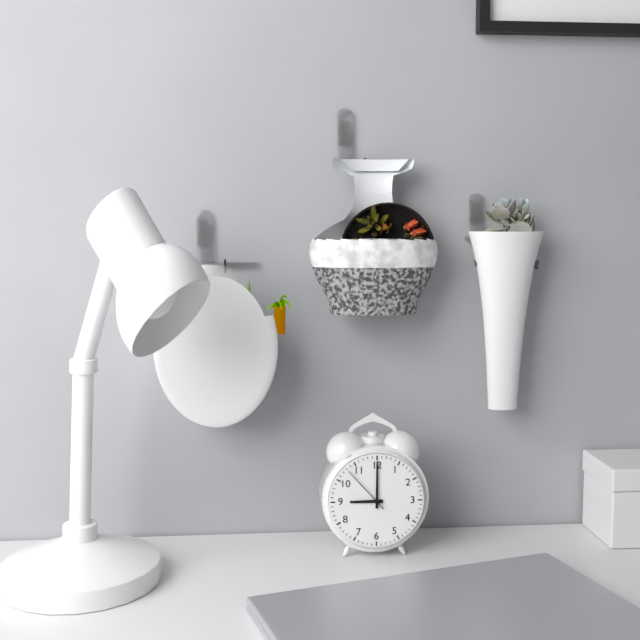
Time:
9:00:53
